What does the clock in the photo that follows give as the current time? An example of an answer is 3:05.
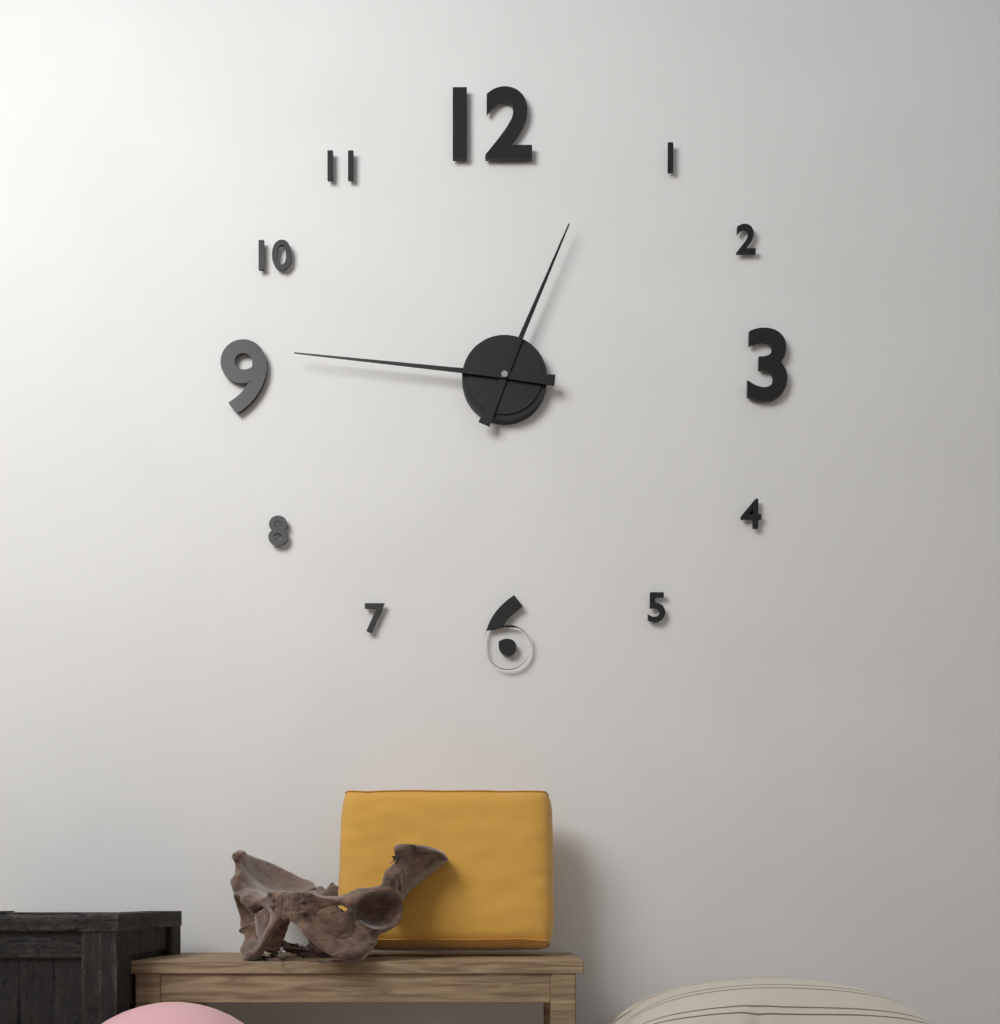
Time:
12:46
